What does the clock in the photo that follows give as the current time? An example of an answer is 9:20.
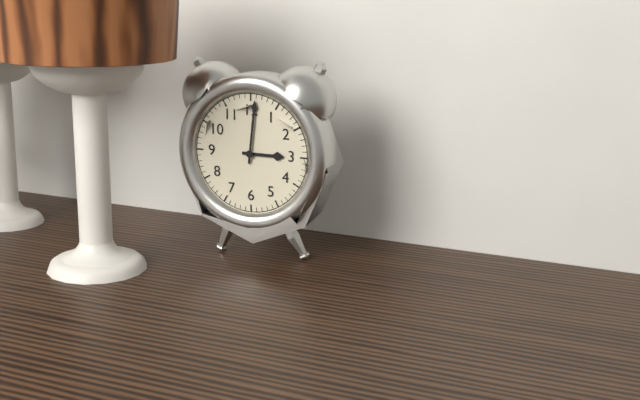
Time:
3:01
